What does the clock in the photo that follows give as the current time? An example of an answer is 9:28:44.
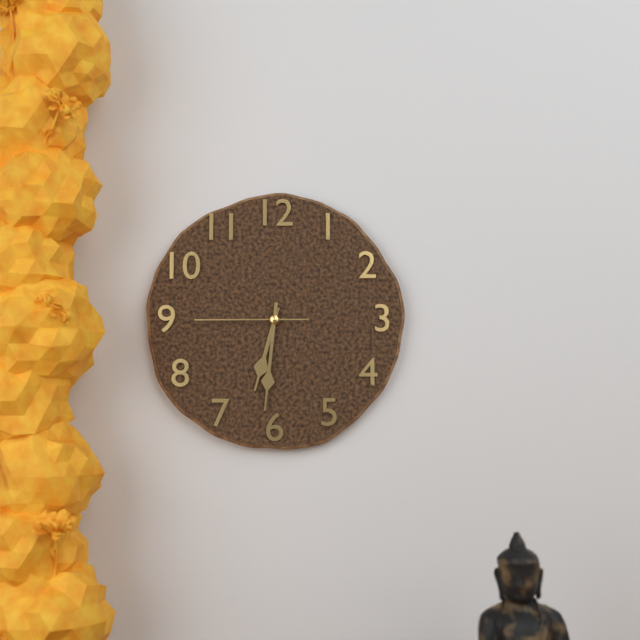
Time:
6:31:45
